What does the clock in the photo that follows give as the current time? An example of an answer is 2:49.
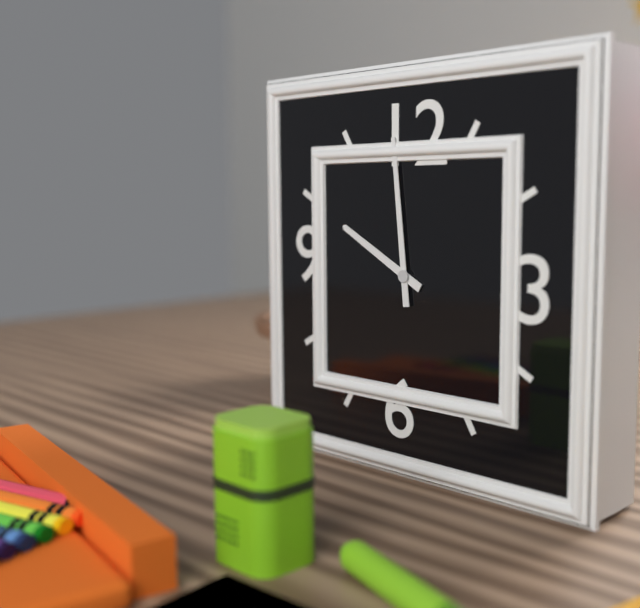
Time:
9:59
